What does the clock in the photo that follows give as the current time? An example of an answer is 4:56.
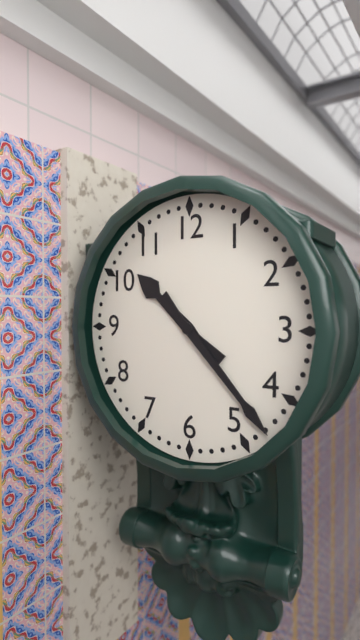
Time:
10:23
